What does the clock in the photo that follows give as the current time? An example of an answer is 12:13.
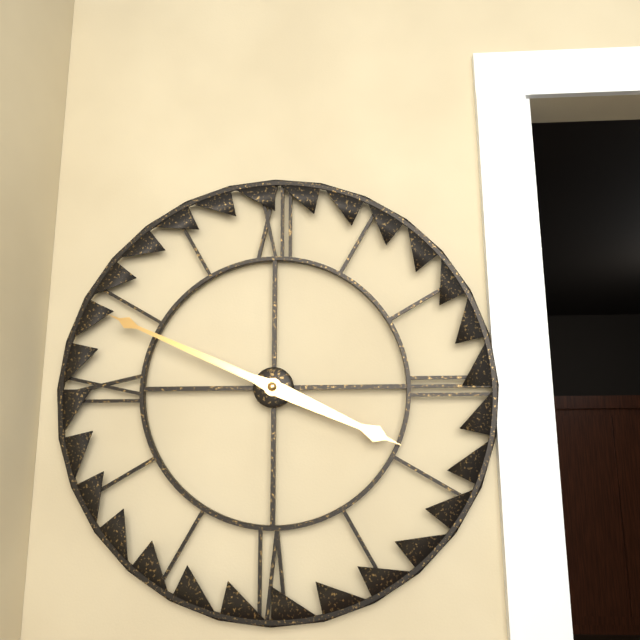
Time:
3:49
